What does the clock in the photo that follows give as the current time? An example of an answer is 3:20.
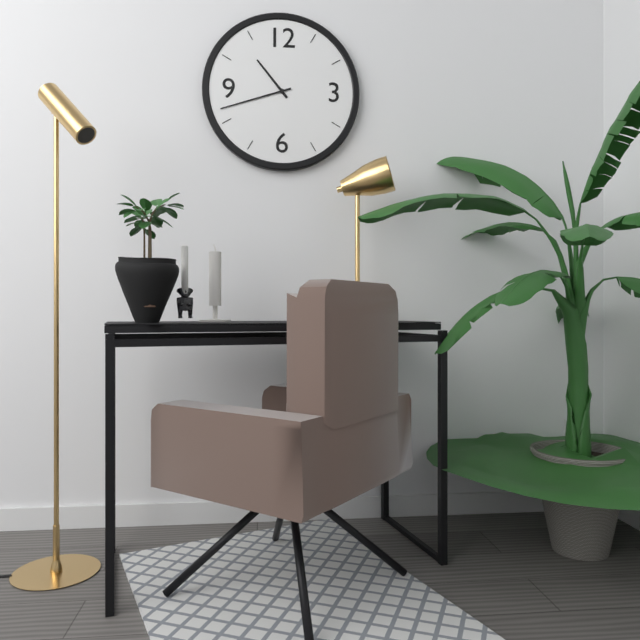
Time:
10:42
